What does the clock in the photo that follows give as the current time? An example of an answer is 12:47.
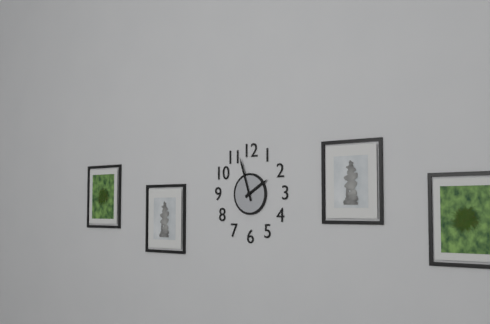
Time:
1:57
